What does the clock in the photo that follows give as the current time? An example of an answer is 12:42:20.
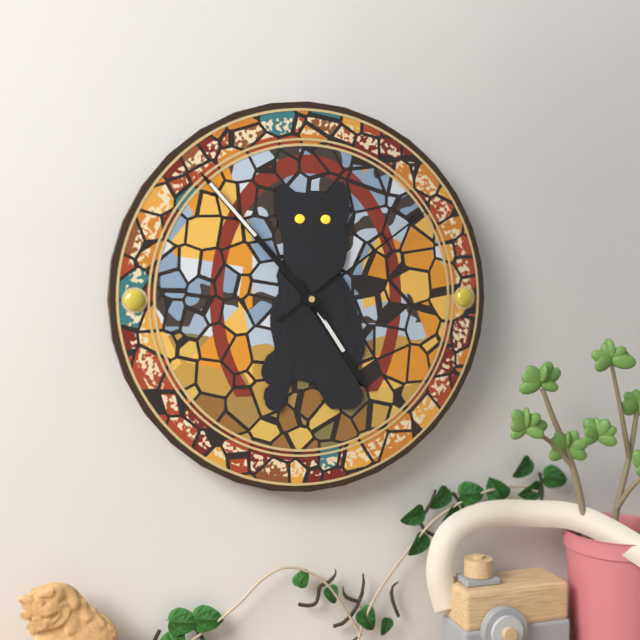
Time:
4:53:09
